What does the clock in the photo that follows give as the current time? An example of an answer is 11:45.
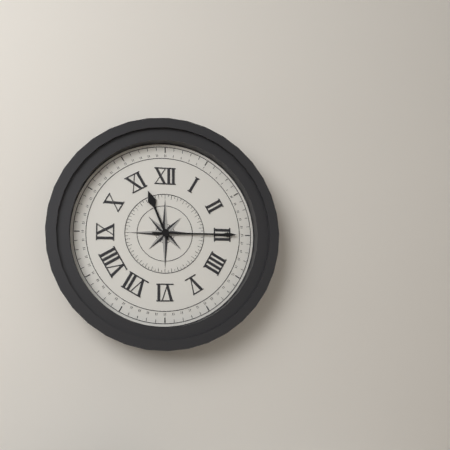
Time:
11:15
